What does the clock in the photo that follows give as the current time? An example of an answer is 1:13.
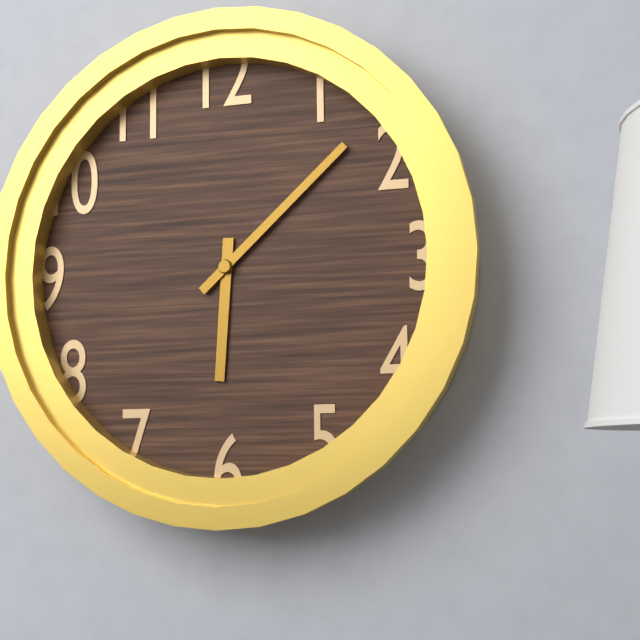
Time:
6:08
